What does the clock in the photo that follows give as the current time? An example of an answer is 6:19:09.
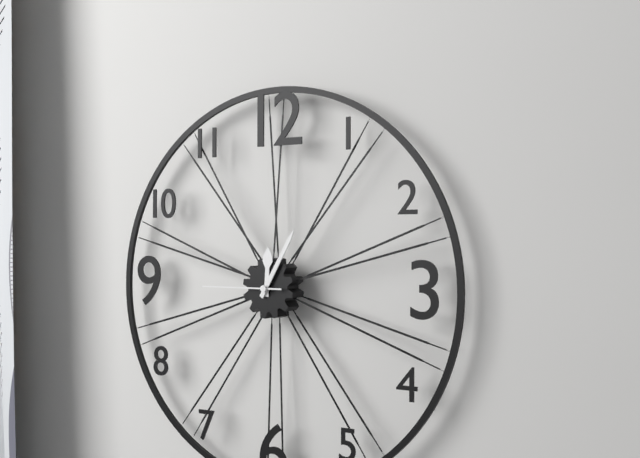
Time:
12:05:45
